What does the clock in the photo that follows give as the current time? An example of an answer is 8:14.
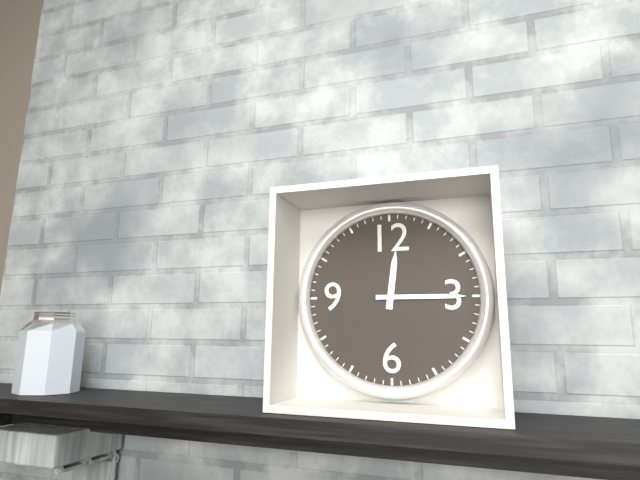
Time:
12:15
